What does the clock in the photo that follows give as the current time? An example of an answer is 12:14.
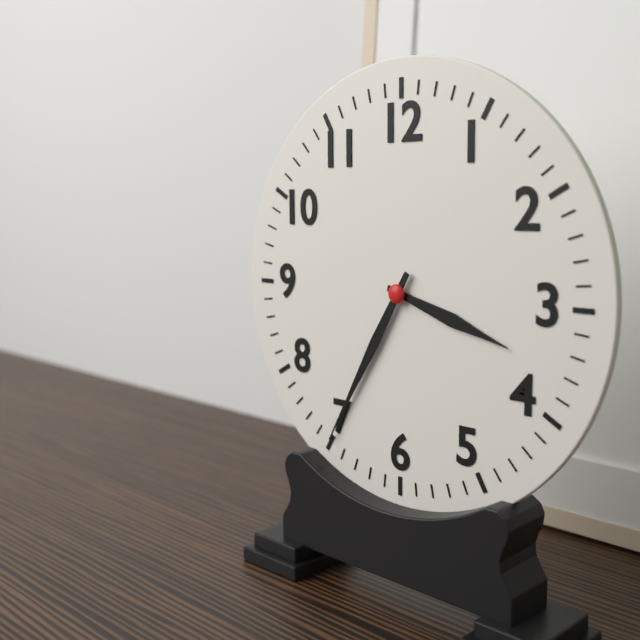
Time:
3:35
